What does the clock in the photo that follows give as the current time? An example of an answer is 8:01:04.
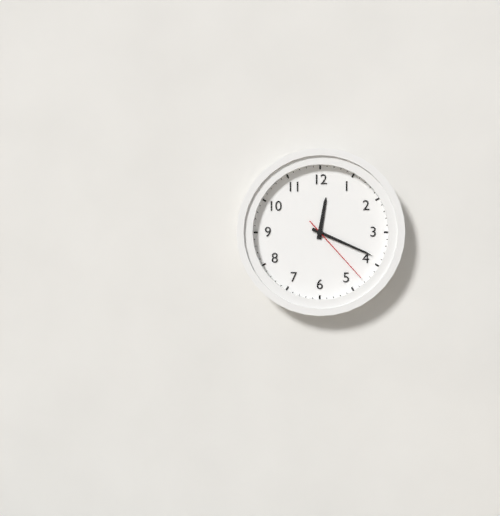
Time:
12:19:23
